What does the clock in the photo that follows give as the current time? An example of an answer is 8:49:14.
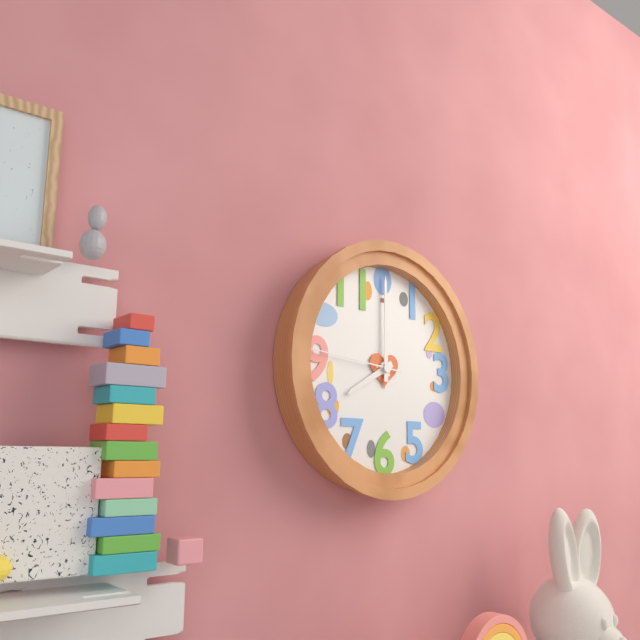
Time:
8:00:46
